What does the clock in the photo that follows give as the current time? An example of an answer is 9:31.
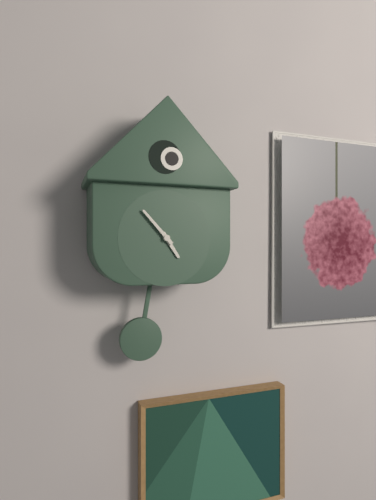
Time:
4:53
